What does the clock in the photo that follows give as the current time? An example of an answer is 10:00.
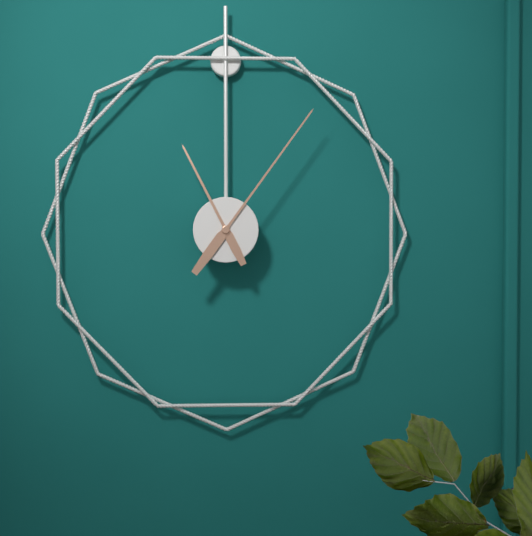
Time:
11:06
